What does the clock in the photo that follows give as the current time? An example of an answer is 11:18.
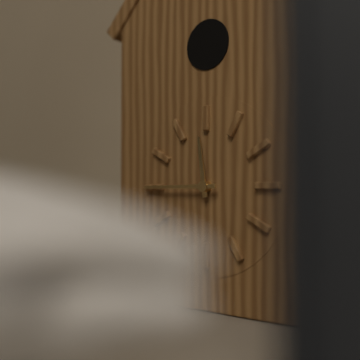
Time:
11:45
